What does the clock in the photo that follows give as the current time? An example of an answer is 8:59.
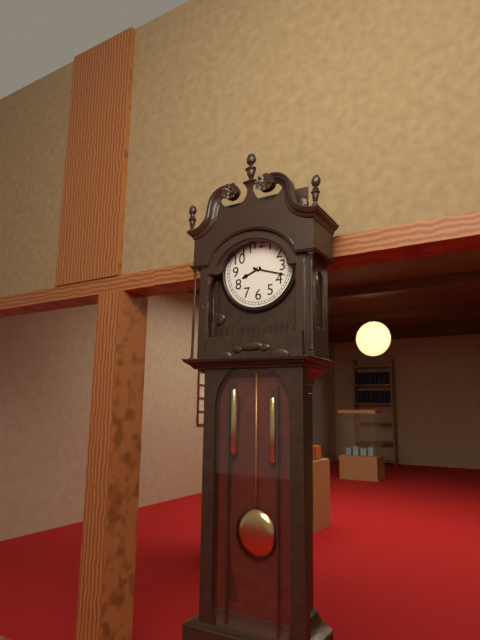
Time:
8:18
